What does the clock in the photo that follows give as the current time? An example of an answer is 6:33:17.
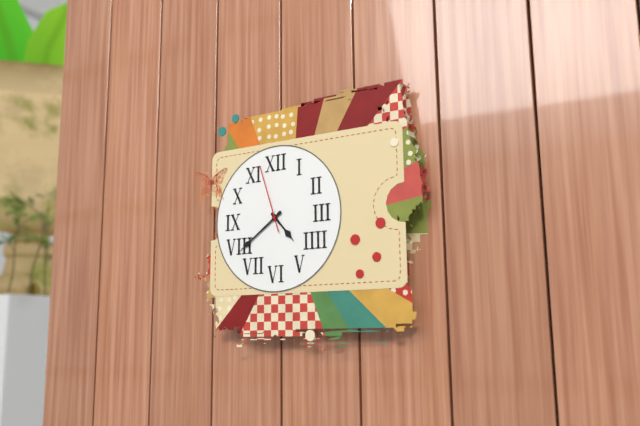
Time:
4:39:57
